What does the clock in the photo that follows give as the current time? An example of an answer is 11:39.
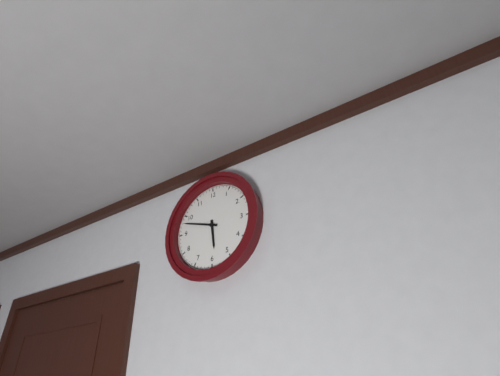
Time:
5:48
